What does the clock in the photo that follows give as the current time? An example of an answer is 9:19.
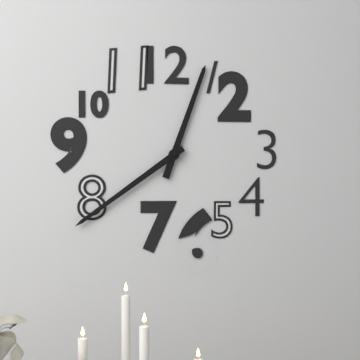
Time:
12:39
